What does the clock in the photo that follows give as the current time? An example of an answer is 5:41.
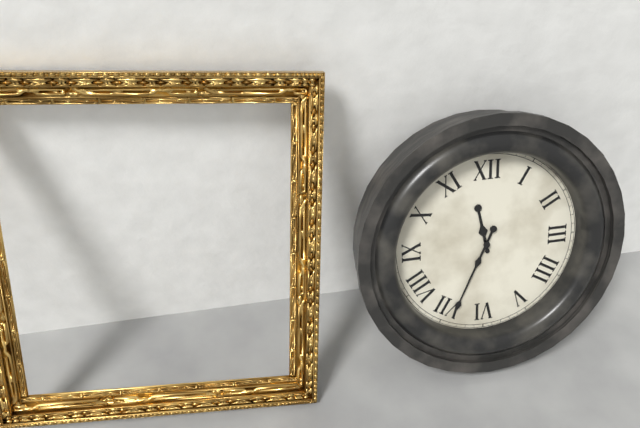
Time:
11:34
